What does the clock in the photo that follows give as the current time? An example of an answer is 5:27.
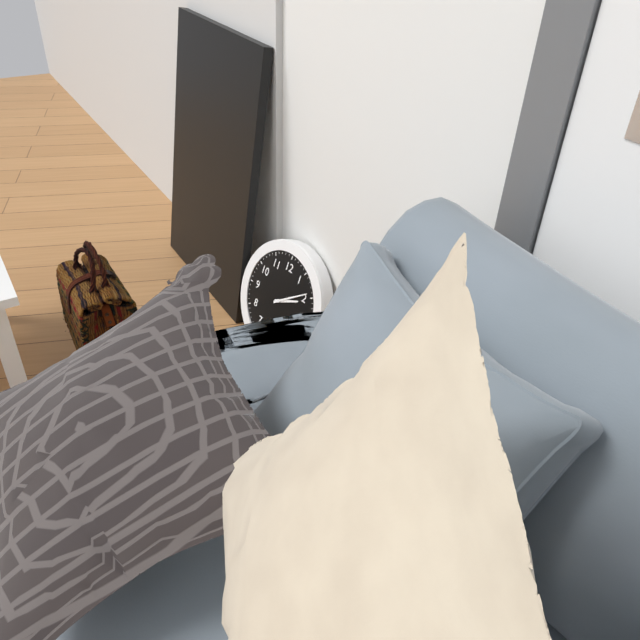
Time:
2:09
